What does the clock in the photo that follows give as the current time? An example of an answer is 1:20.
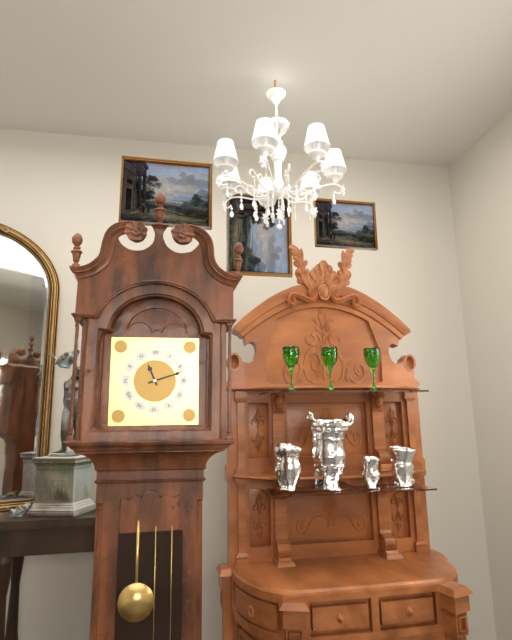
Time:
11:12
